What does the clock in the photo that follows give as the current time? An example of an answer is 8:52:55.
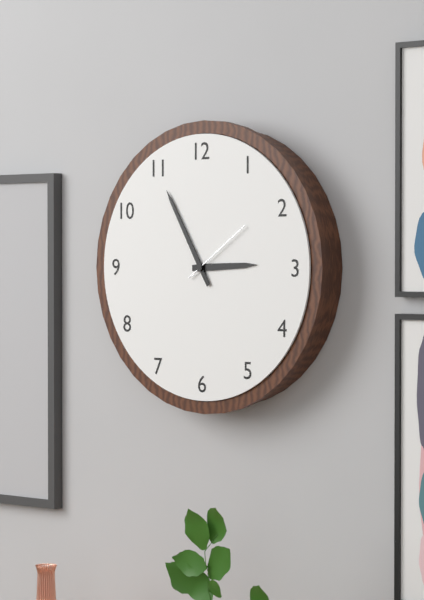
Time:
2:55:09
